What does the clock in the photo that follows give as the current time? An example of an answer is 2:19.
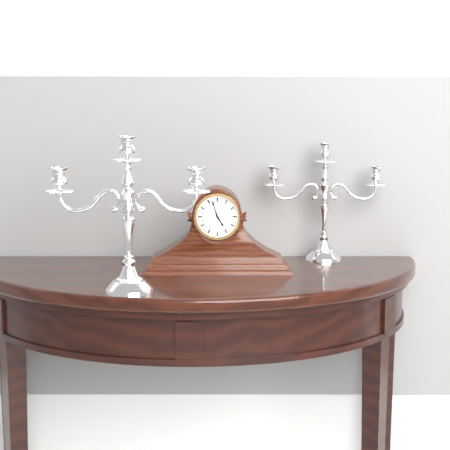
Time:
4:57
